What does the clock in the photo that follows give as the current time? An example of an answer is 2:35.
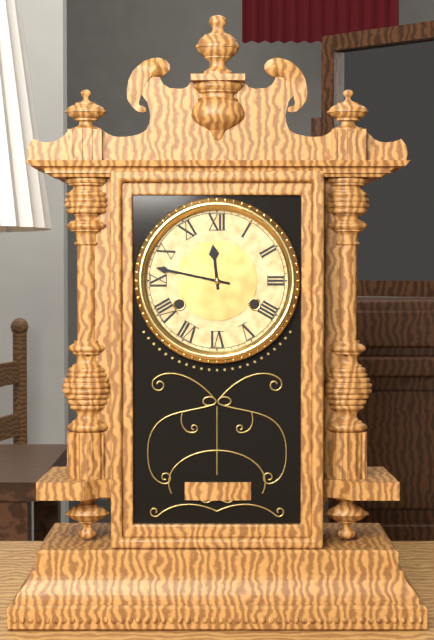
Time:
11:47
